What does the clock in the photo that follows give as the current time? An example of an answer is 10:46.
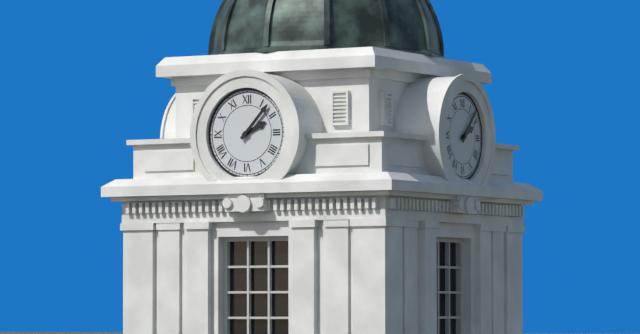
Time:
2:07
